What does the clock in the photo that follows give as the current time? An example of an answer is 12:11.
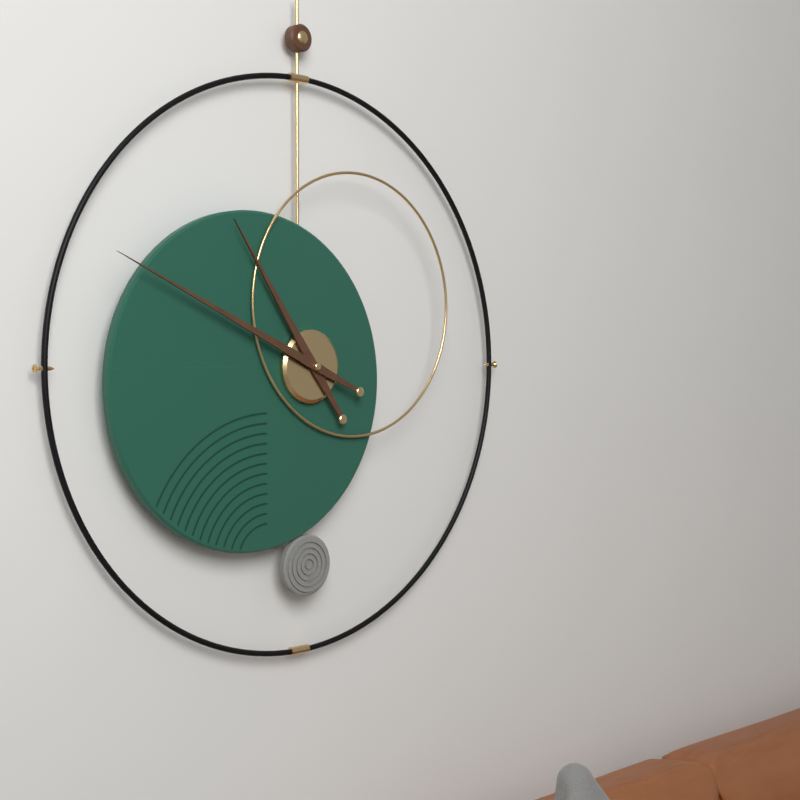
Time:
10:49
